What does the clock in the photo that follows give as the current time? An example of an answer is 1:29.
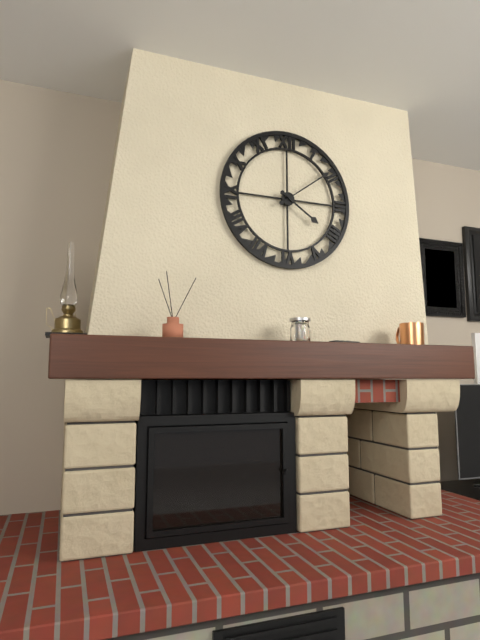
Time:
4:09
